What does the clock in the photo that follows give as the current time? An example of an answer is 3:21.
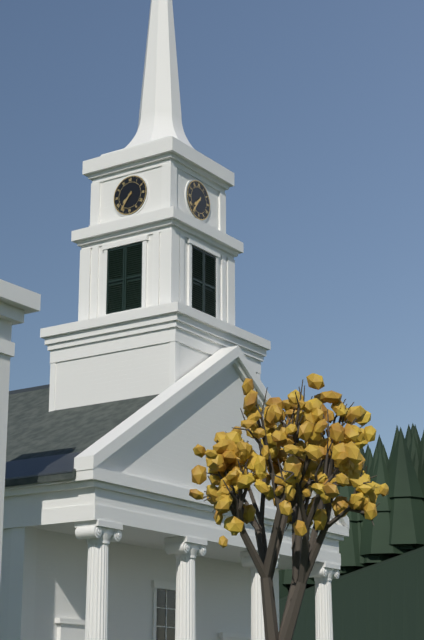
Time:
7:36
